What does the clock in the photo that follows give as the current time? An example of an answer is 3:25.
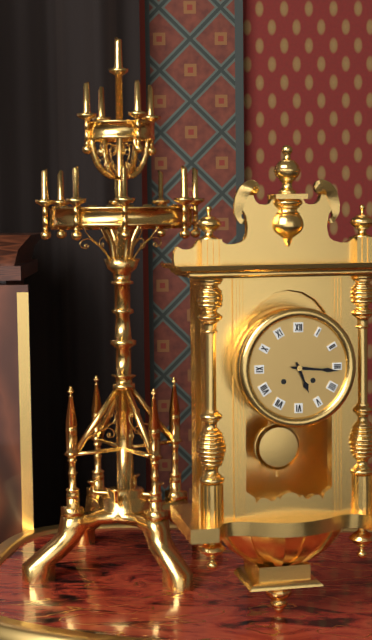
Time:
5:16
